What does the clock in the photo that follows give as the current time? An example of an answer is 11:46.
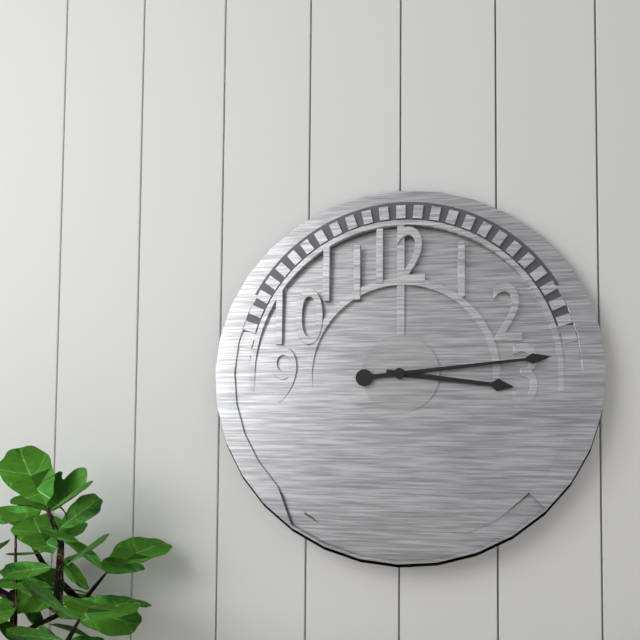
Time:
3:14
